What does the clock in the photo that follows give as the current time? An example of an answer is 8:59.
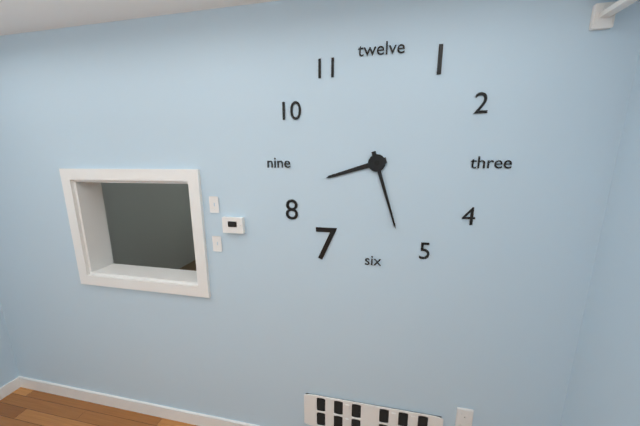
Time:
8:27
